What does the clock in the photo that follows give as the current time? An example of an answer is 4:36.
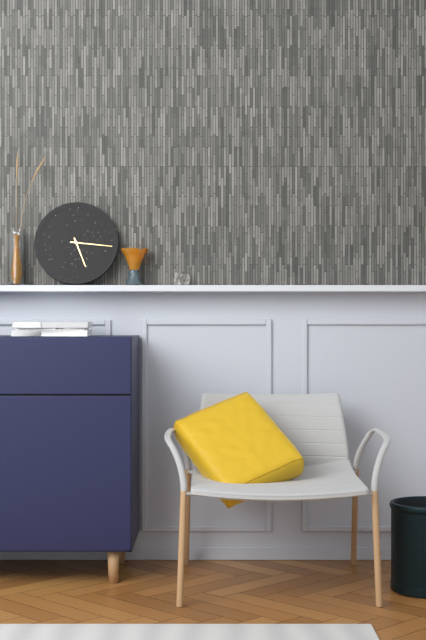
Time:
5:16
